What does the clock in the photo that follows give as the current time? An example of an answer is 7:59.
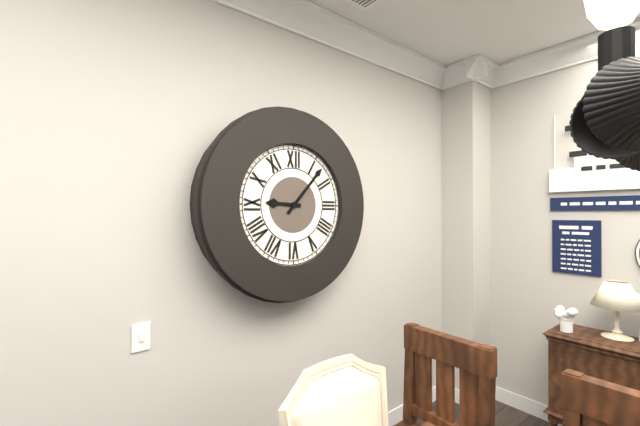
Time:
9:07
